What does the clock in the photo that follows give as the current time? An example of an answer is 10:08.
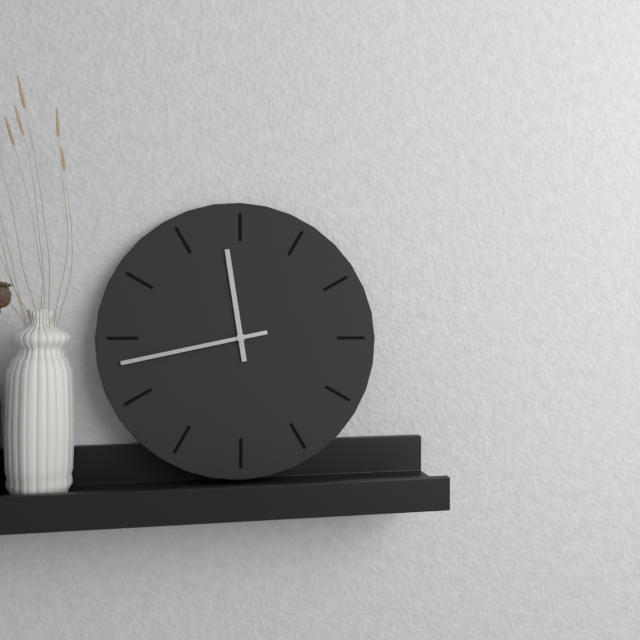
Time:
11:43
